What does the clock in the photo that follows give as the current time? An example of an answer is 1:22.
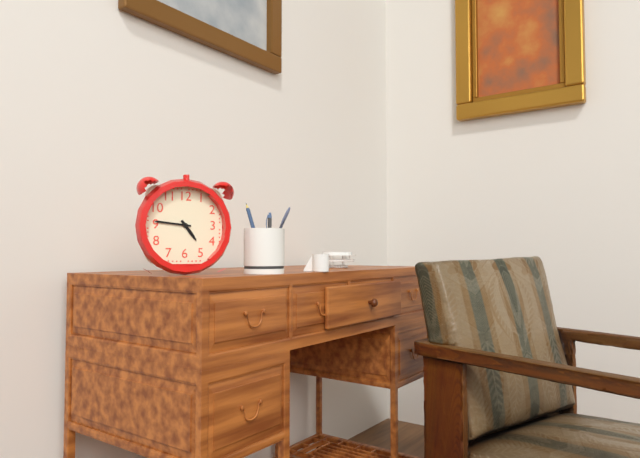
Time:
4:46
